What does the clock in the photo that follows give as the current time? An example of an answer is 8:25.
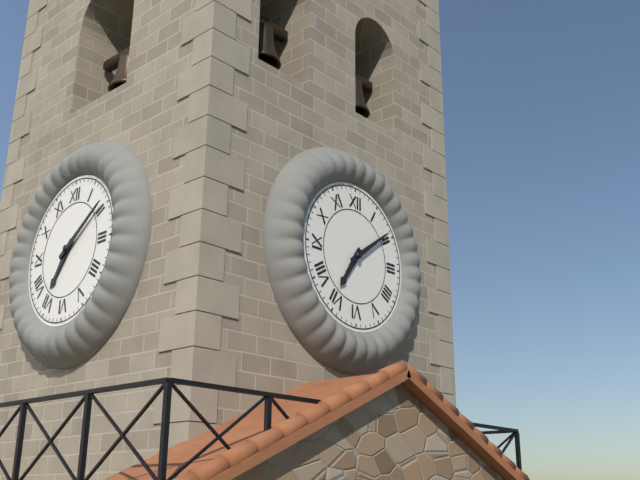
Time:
7:09
